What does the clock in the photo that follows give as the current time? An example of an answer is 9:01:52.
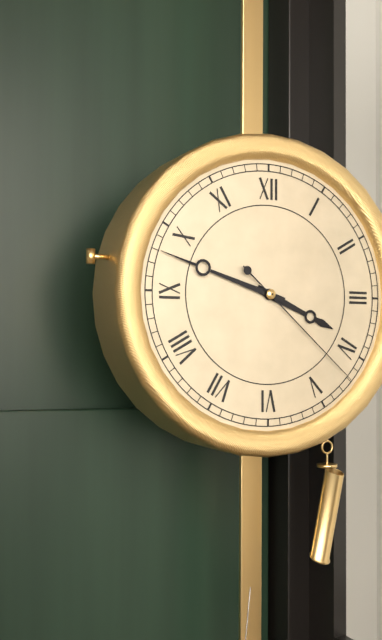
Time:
3:48:22
